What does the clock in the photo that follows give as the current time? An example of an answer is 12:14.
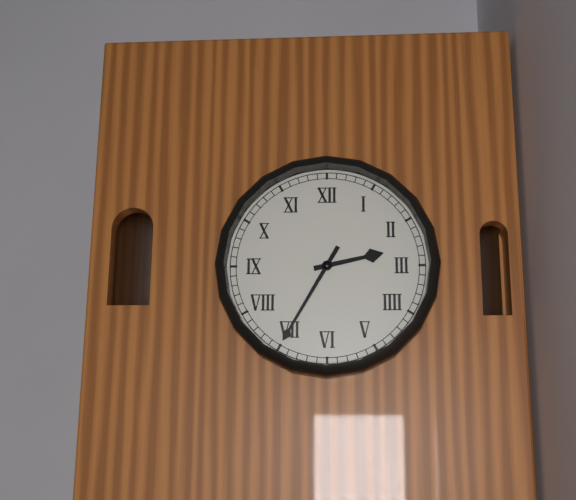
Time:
2:35
